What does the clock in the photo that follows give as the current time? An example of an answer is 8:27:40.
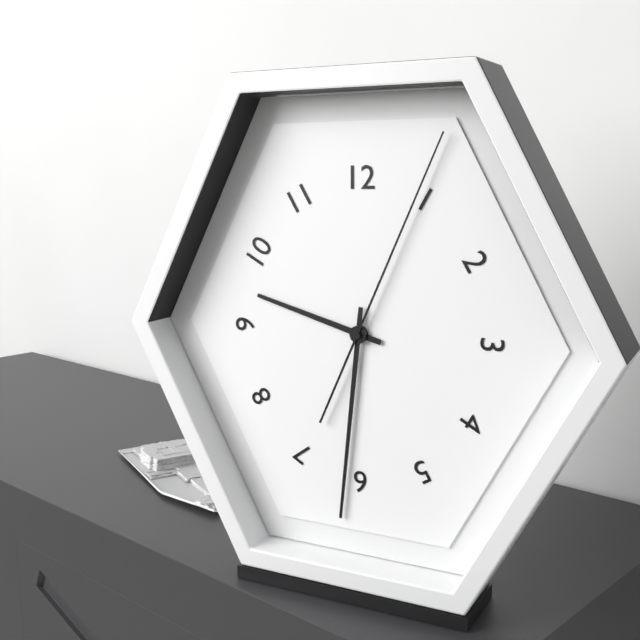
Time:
9:31:04
